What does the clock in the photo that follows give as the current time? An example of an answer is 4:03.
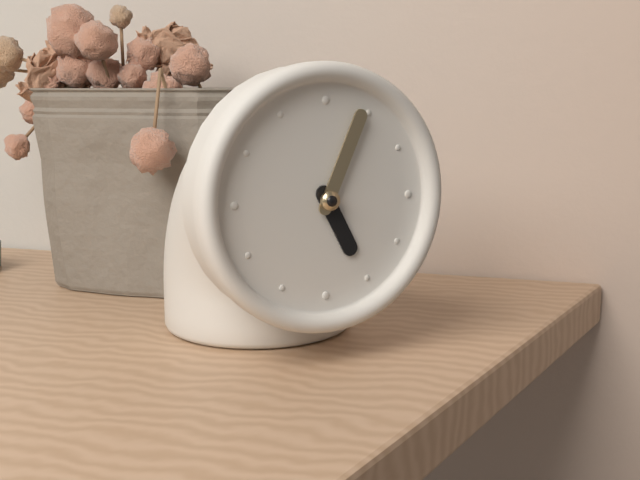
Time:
5:04
